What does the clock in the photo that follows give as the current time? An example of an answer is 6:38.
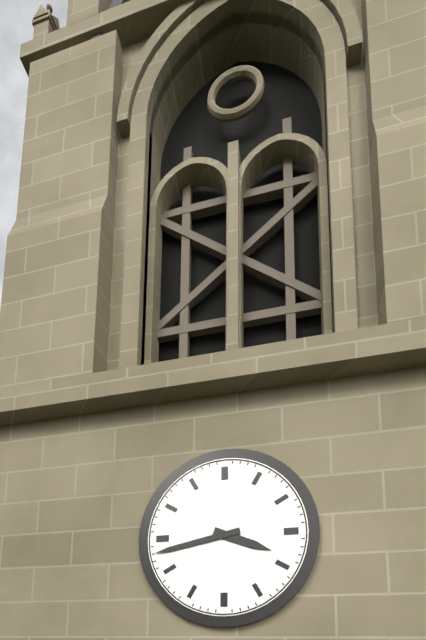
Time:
3:43
